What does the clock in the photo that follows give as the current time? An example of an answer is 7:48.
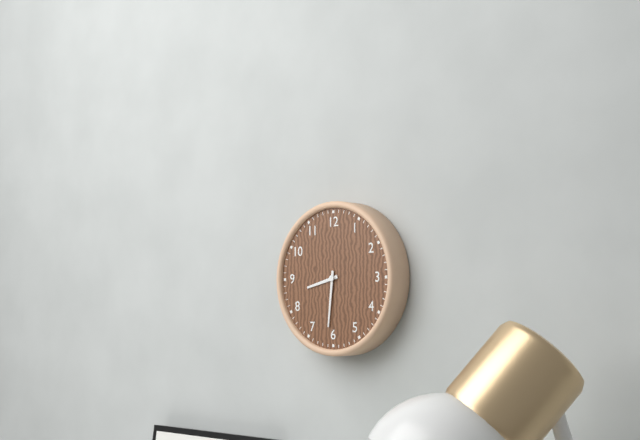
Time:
8:31
